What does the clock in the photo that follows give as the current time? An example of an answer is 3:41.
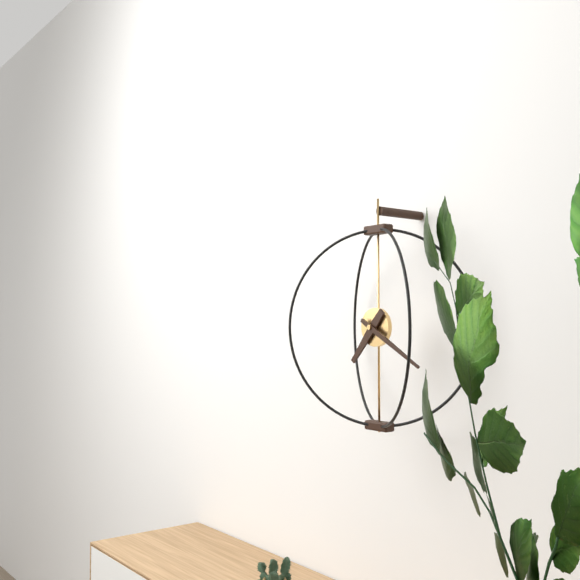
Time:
7:20
